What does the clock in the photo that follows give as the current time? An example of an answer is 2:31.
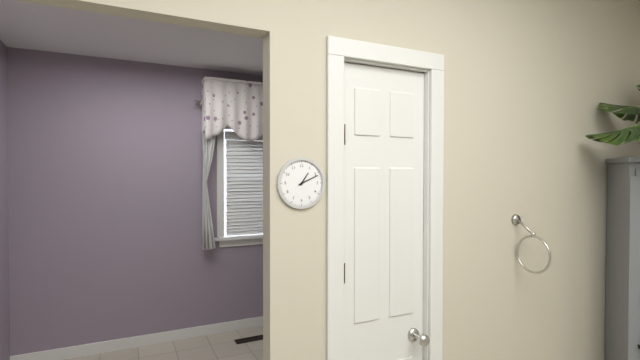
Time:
1:11
